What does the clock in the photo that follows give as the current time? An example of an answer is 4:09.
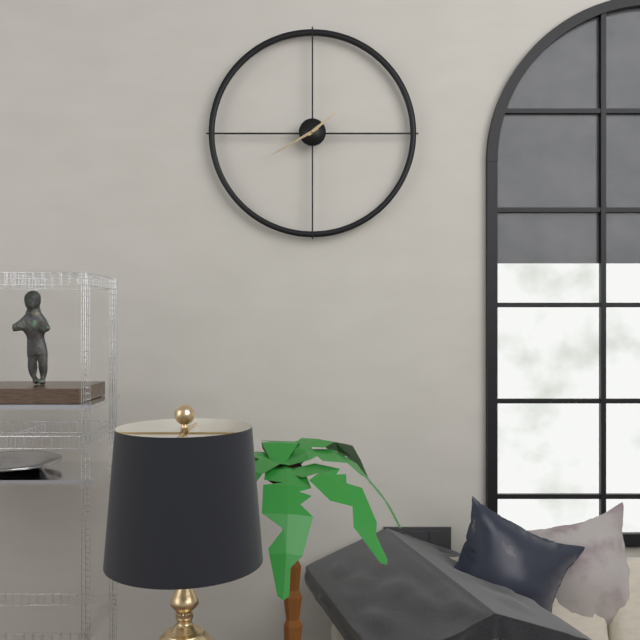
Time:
1:40
